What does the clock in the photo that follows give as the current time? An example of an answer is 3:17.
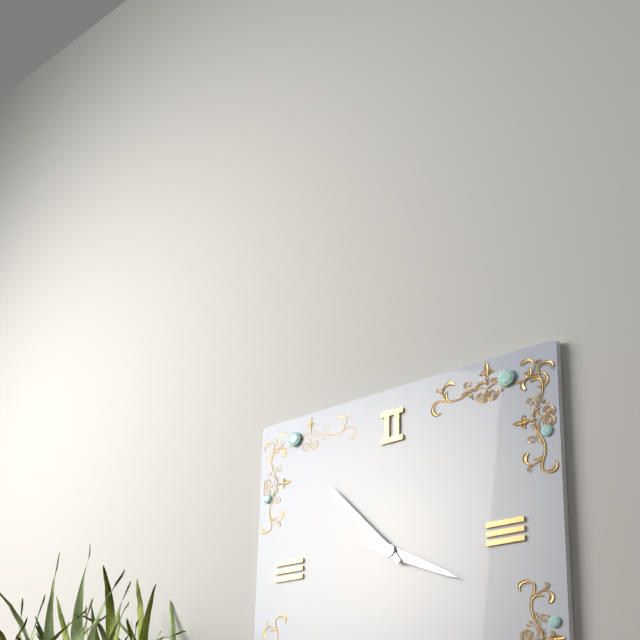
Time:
3:53
